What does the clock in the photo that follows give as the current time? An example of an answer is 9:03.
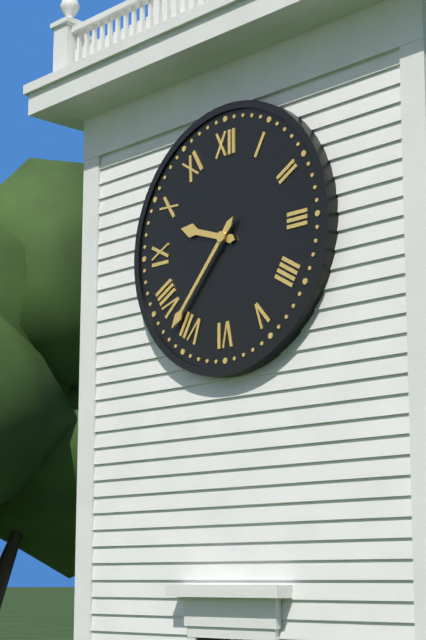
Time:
9:37
